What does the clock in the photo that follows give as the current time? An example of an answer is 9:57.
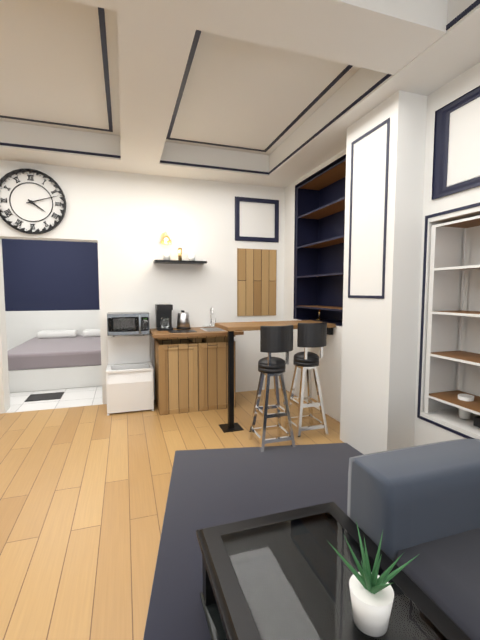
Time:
4:12
